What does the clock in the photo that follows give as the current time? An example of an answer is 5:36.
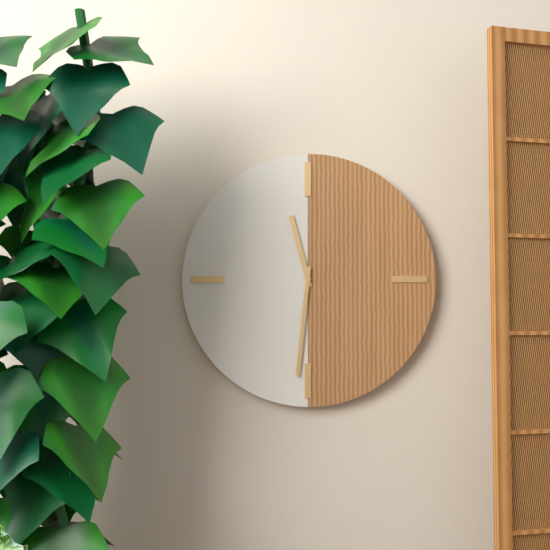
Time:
11:31
